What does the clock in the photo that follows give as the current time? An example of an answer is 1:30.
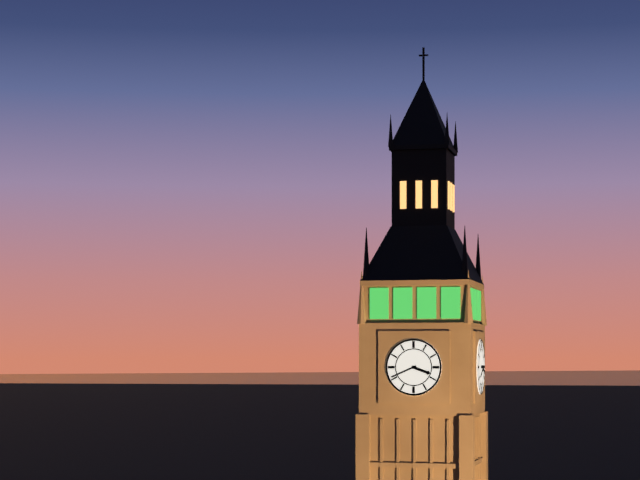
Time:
3:41
